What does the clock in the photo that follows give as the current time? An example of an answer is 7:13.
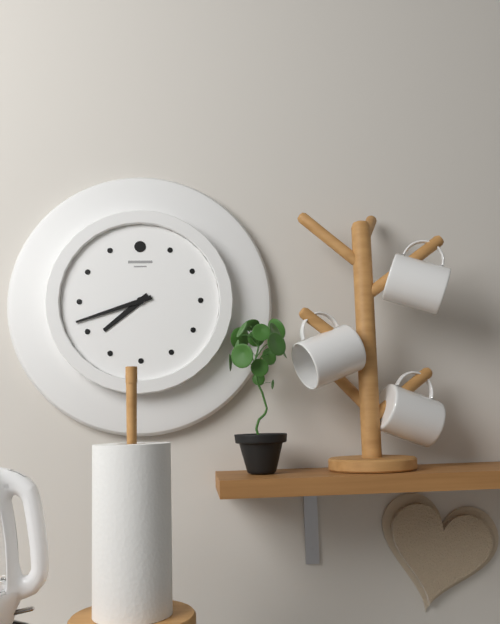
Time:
7:42
